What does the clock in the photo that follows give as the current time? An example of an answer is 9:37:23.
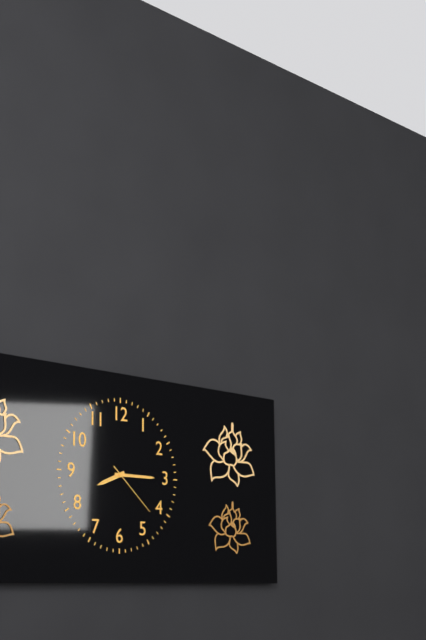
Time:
8:15:22
